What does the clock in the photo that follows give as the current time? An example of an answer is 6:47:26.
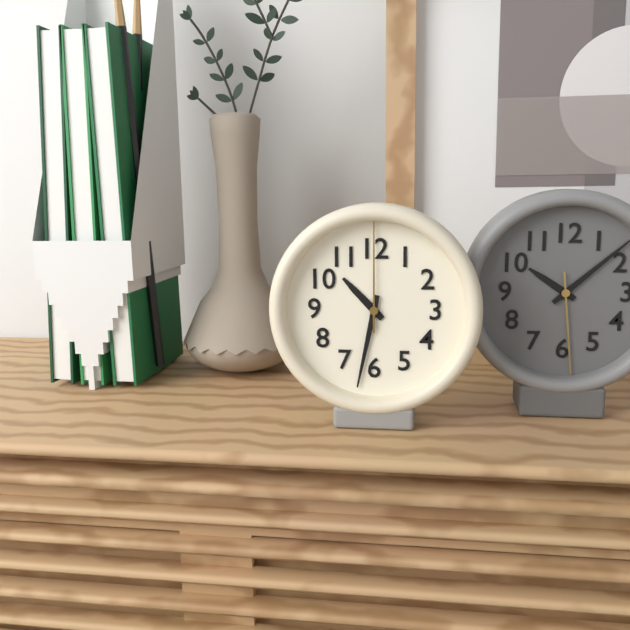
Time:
10:32:00
